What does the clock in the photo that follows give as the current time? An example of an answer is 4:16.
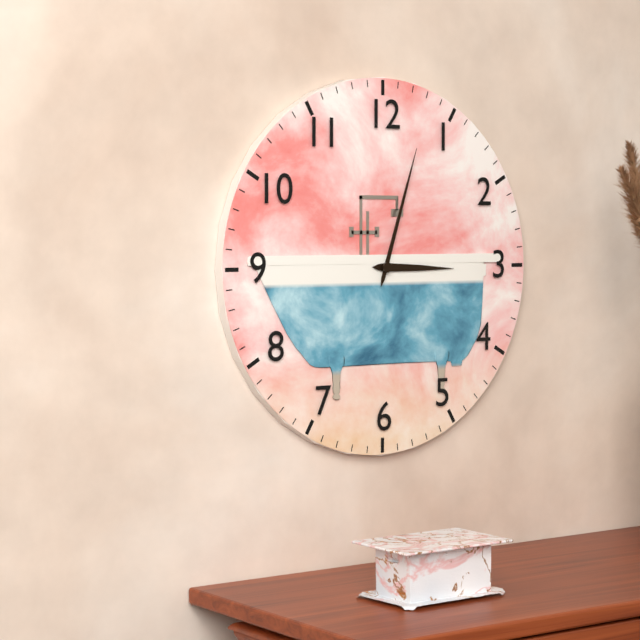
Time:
3:03
